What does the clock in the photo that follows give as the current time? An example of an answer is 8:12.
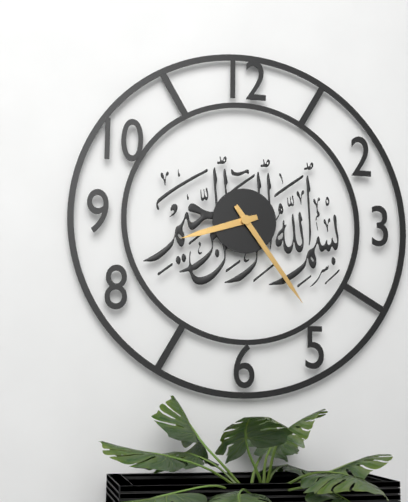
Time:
8:24
